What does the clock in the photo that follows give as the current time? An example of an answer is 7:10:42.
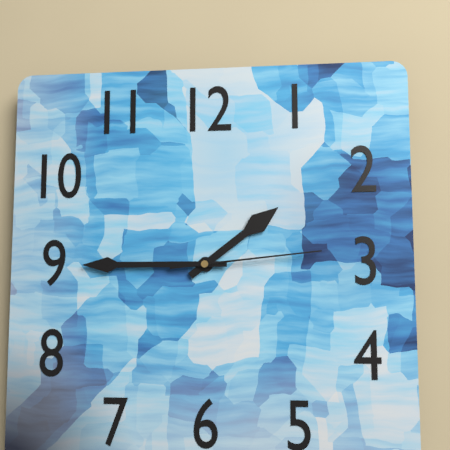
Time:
1:45:14
